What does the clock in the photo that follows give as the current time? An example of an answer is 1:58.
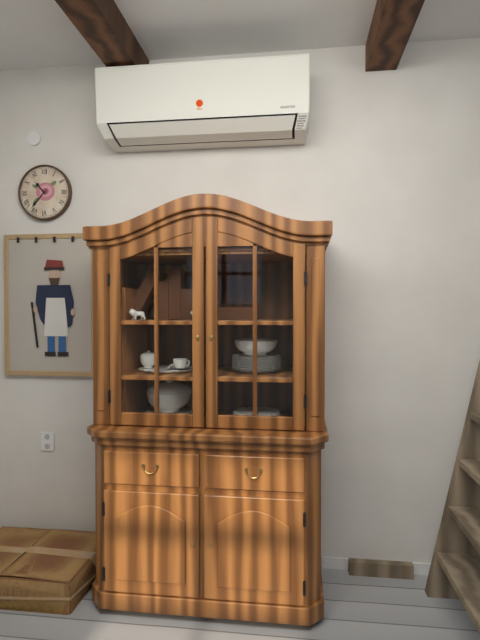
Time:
10:37
